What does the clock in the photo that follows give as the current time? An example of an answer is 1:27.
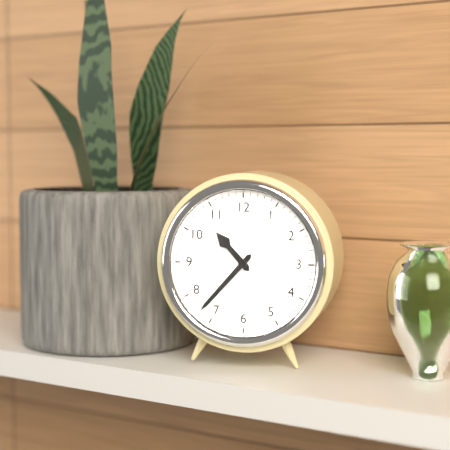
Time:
10:37
